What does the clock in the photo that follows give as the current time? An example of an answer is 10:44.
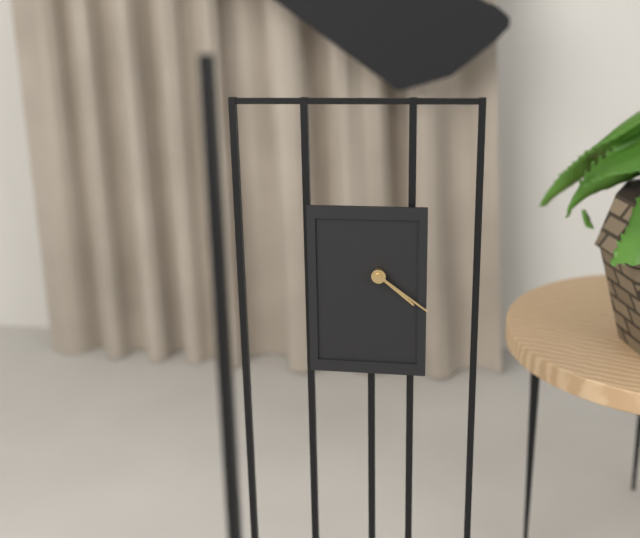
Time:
4:21
